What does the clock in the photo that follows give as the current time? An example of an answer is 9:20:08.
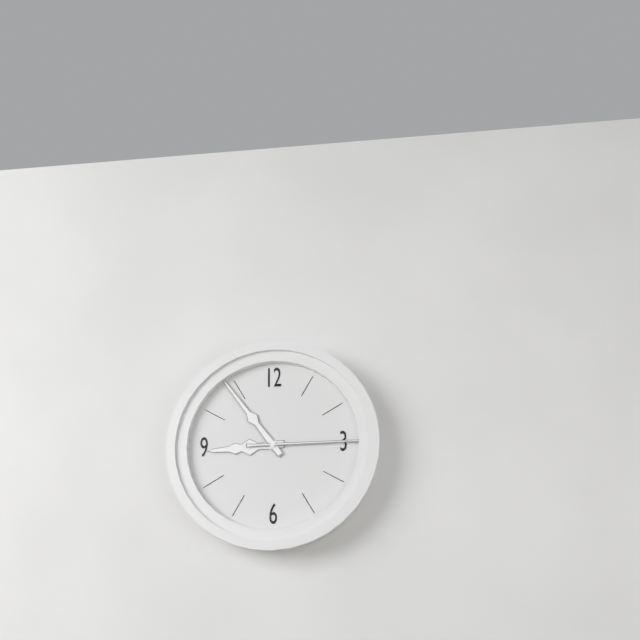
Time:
8:54:15
